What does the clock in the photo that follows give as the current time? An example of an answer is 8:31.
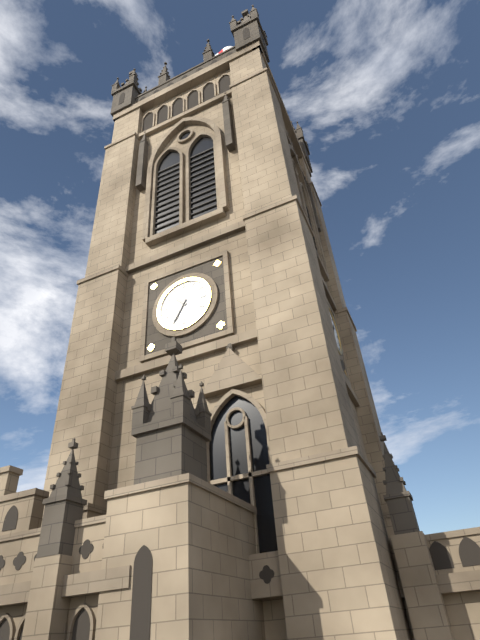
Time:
10:35
